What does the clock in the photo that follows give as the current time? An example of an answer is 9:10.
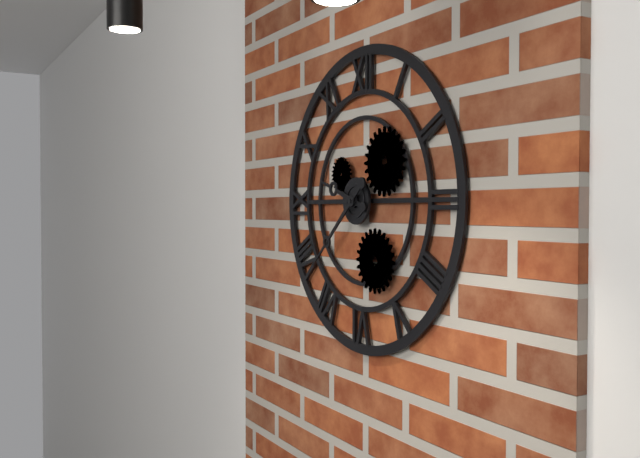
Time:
9:38
